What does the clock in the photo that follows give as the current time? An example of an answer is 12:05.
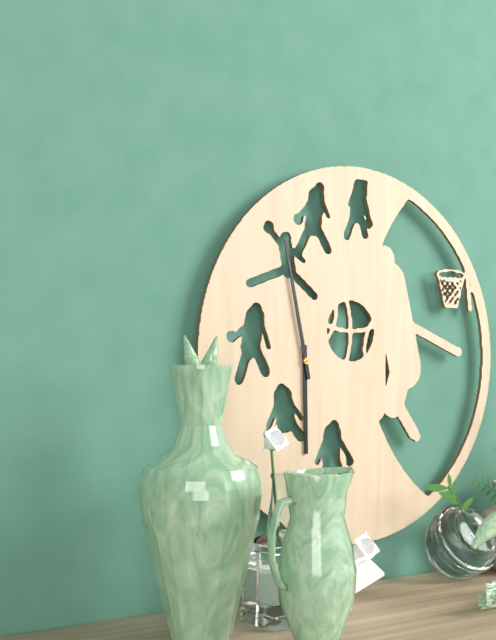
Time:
5:58
